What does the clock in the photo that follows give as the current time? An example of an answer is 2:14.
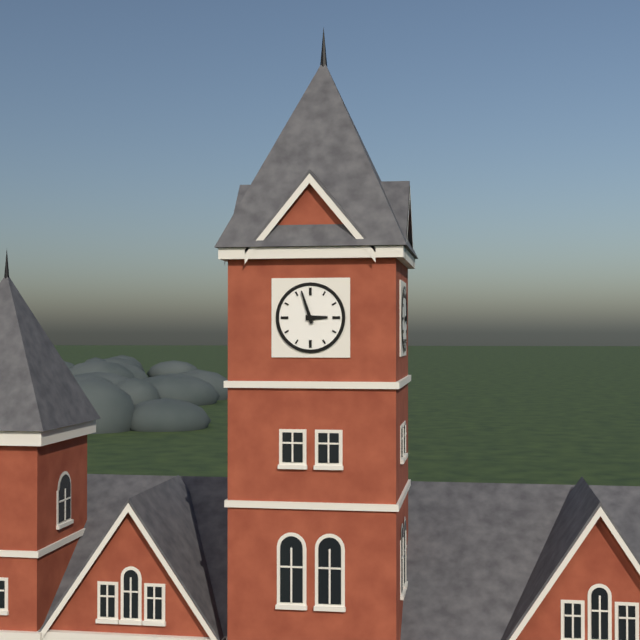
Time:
2:57
